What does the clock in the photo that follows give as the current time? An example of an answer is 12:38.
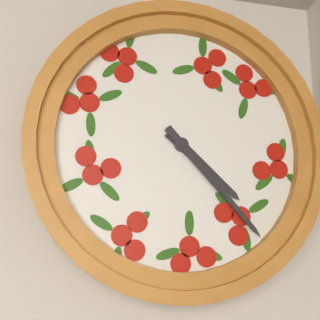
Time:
4:23
